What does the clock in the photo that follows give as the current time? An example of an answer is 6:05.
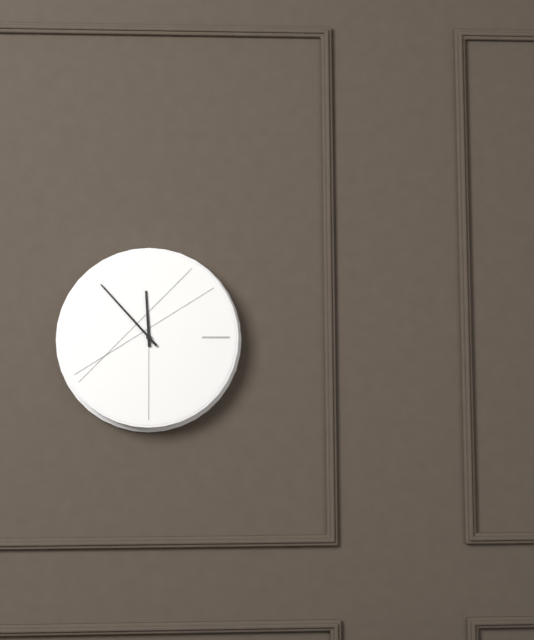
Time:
11:53
